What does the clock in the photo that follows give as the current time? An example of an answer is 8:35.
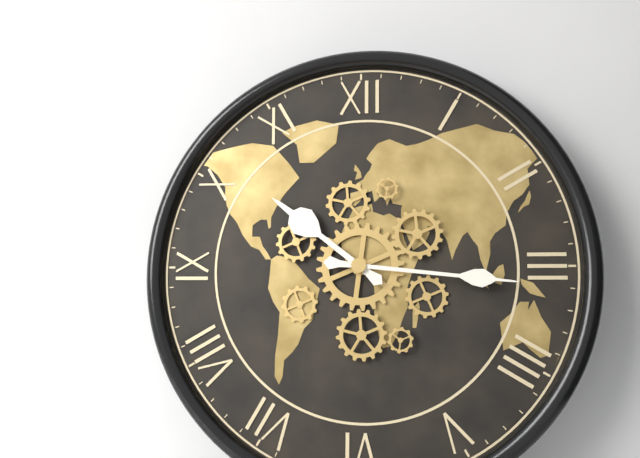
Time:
10:16
